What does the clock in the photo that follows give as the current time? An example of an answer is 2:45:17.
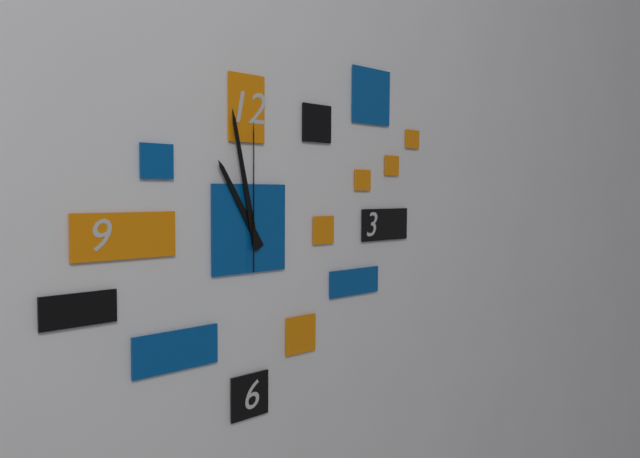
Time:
10:58:00
